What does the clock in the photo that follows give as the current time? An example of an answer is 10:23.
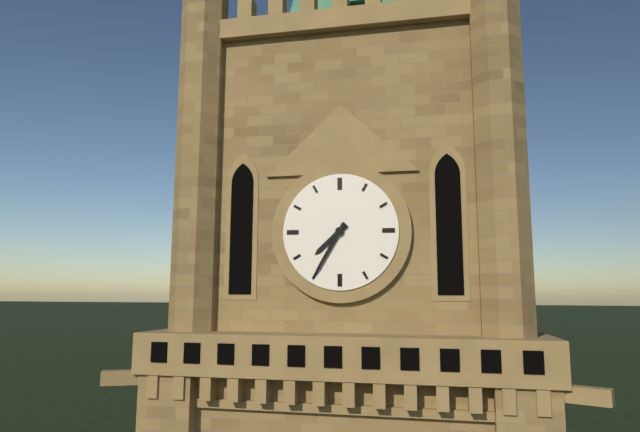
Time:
7:35
